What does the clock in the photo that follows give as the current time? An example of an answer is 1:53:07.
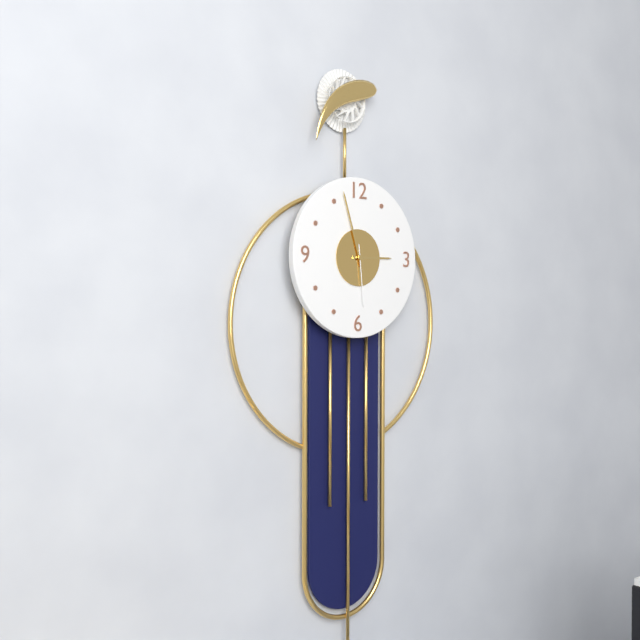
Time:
2:57:29
